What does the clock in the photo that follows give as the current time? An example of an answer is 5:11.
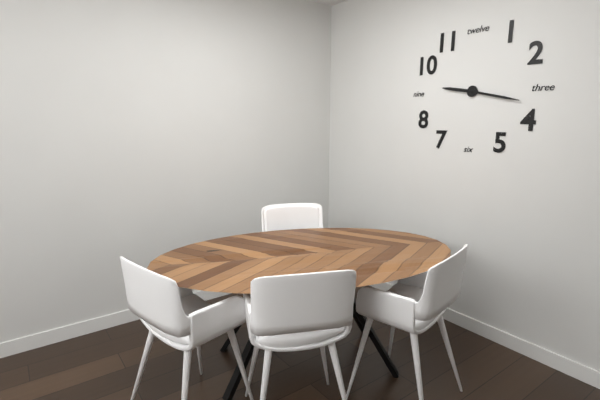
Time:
9:17
